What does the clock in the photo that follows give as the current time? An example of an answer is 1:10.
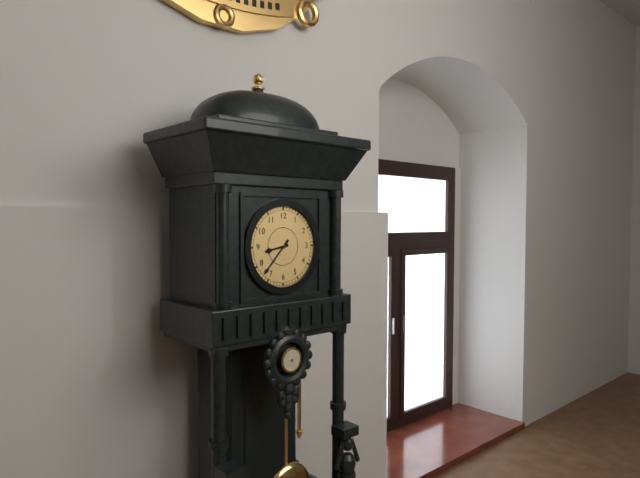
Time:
8:37
